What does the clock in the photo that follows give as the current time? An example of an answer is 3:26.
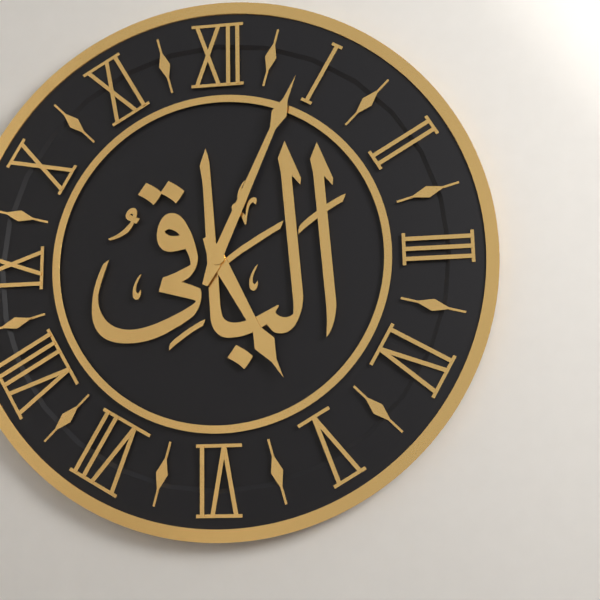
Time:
5:04
